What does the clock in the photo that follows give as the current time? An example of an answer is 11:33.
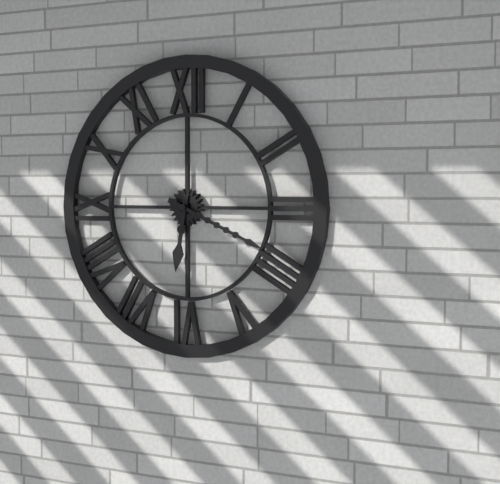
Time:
6:19
